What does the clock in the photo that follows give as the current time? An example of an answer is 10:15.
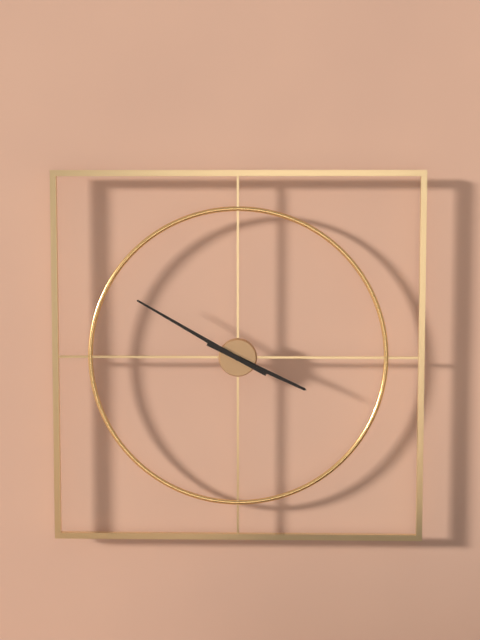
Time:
3:50
